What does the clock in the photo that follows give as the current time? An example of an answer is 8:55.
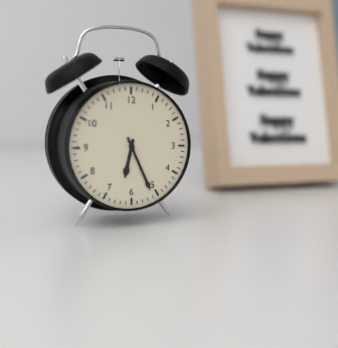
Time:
6:26
